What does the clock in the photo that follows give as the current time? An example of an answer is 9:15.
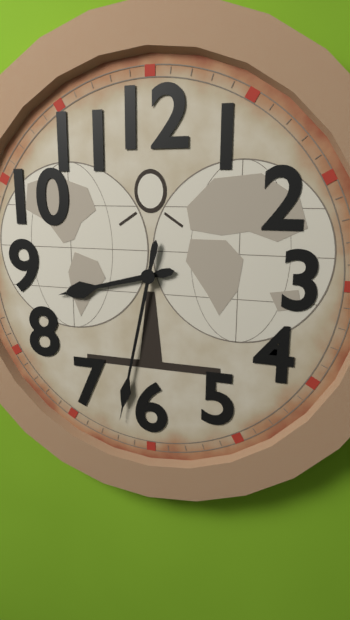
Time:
8:32
